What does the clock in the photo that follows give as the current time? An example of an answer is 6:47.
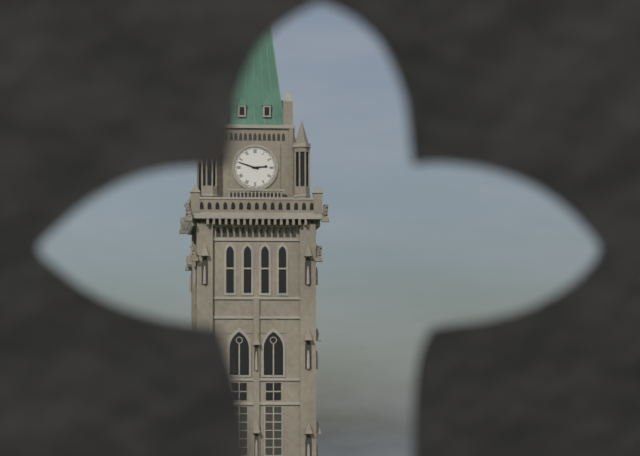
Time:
2:48
